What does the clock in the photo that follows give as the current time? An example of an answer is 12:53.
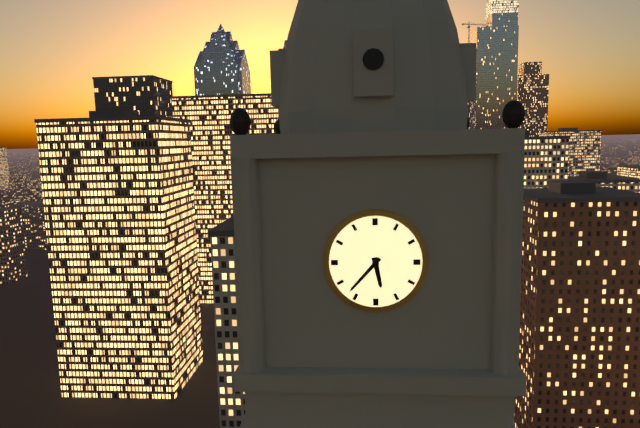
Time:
5:37
